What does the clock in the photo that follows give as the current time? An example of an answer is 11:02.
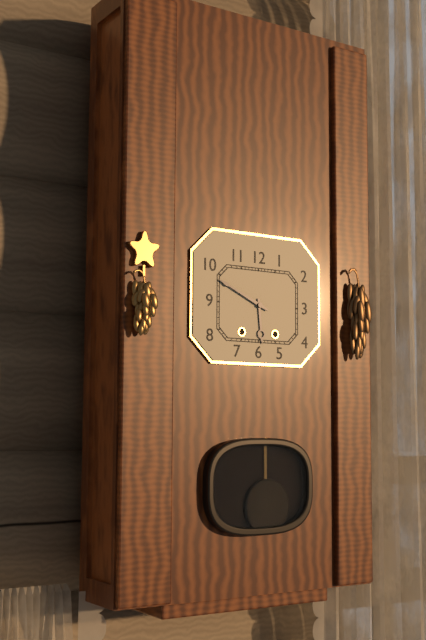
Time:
5:49
